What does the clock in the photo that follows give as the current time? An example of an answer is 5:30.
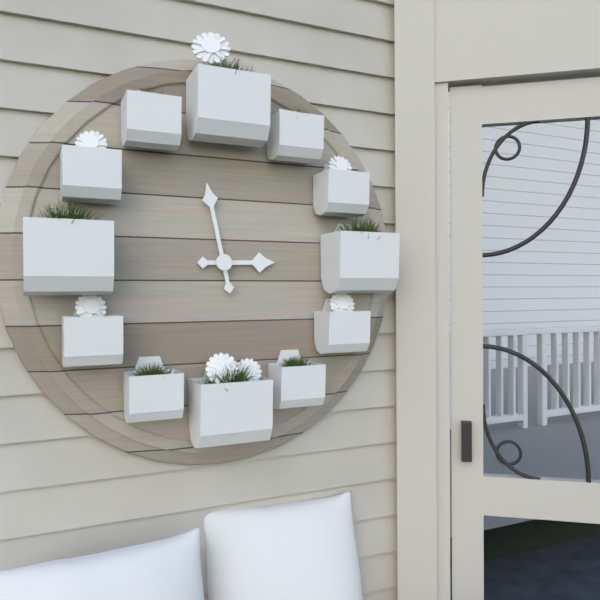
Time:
2:58
